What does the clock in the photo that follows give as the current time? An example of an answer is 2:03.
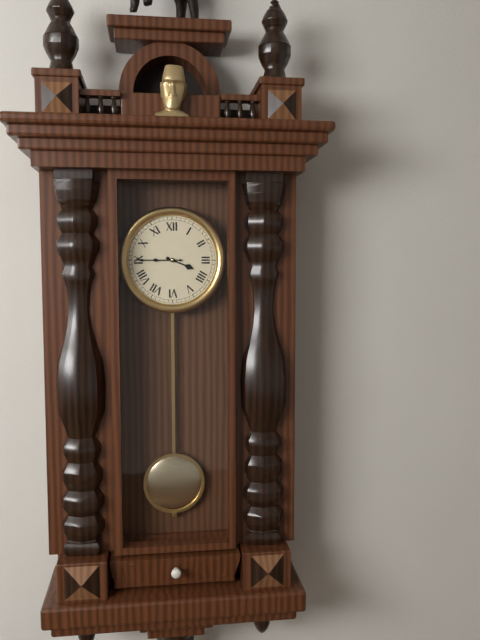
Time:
3:45
